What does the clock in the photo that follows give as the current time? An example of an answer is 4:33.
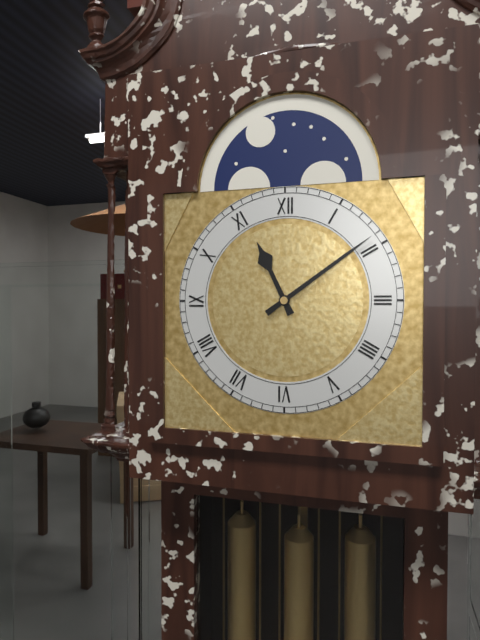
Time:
11:09
